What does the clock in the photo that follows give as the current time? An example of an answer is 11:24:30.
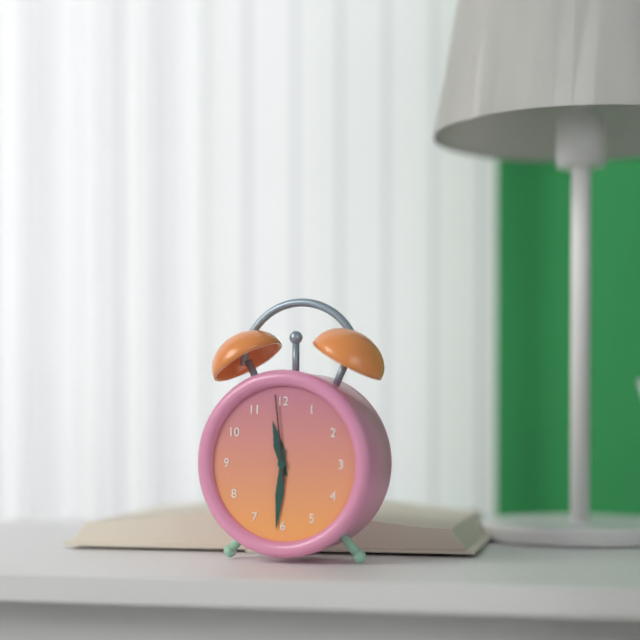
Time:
11:31:59
